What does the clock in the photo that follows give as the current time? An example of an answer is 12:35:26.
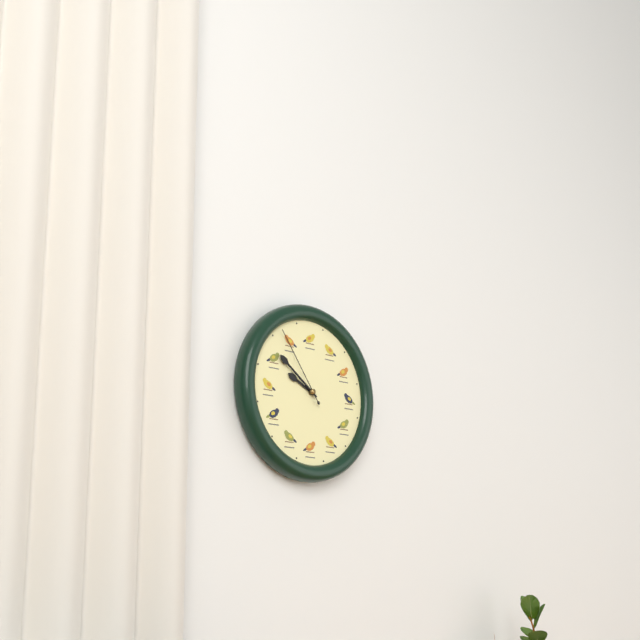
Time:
9:51:54
